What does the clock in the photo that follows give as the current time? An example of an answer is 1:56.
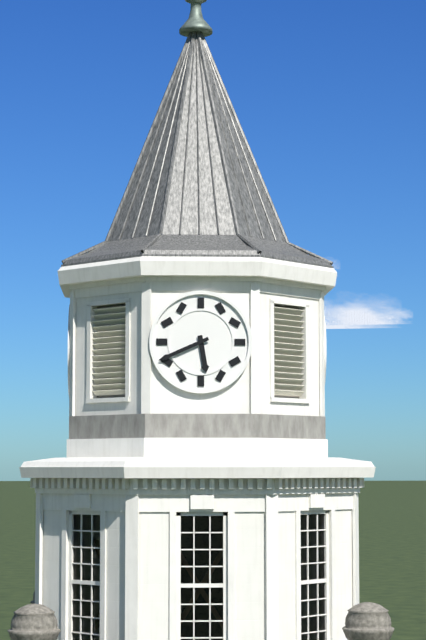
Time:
5:41
